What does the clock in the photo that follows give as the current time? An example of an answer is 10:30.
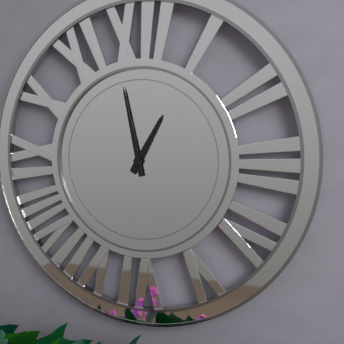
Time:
12:58
